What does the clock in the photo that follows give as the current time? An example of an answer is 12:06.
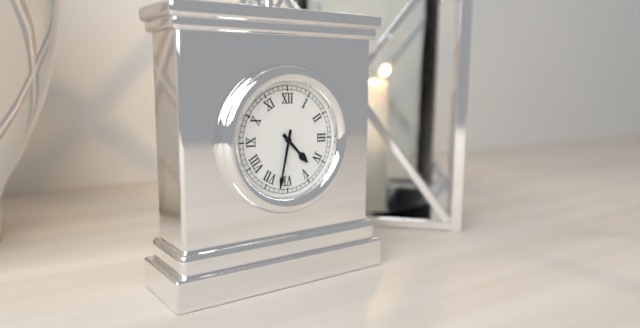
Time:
4:32
